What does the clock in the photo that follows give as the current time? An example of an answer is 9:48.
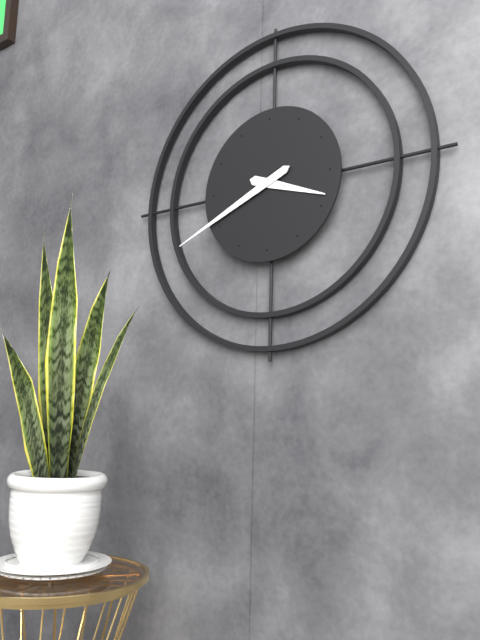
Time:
3:41
